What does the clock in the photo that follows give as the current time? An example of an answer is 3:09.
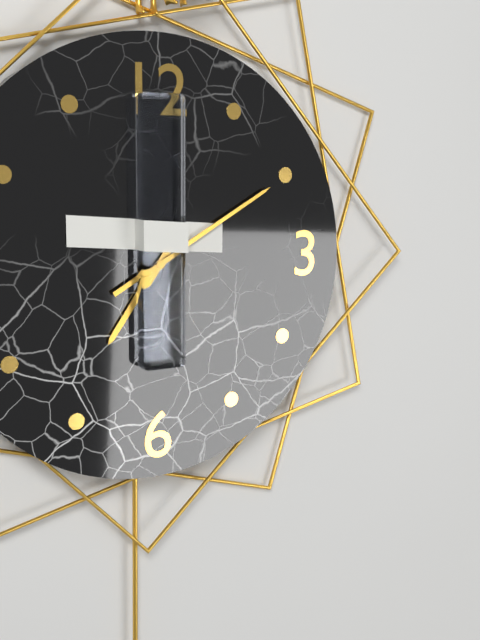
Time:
7:10
